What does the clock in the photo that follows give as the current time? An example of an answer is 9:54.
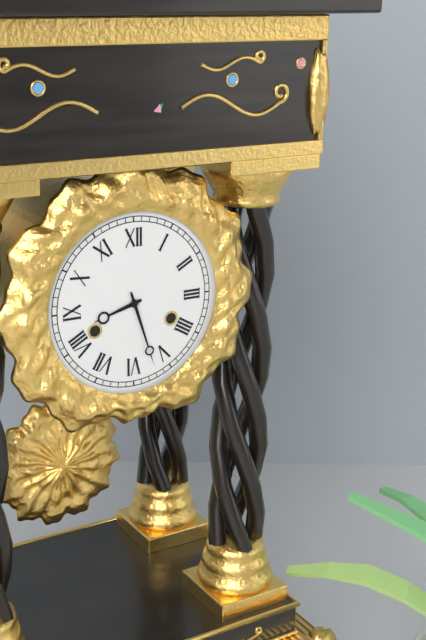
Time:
8:27
